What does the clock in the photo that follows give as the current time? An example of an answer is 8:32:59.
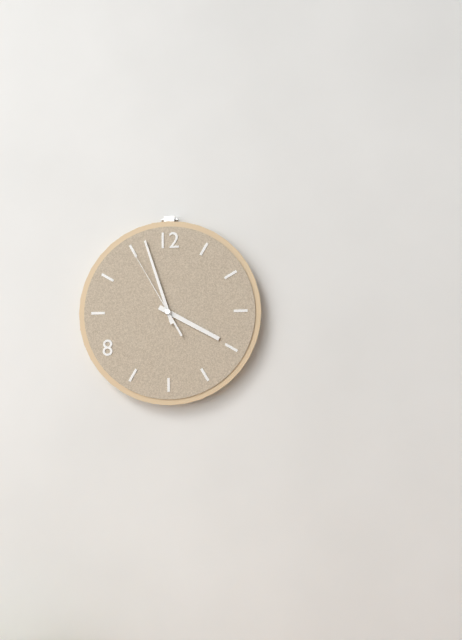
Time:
3:57:55
